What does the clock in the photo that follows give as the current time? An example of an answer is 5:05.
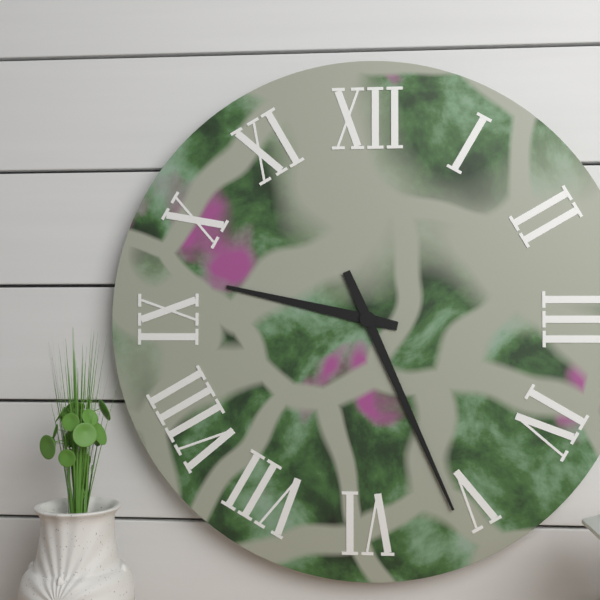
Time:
9:26
